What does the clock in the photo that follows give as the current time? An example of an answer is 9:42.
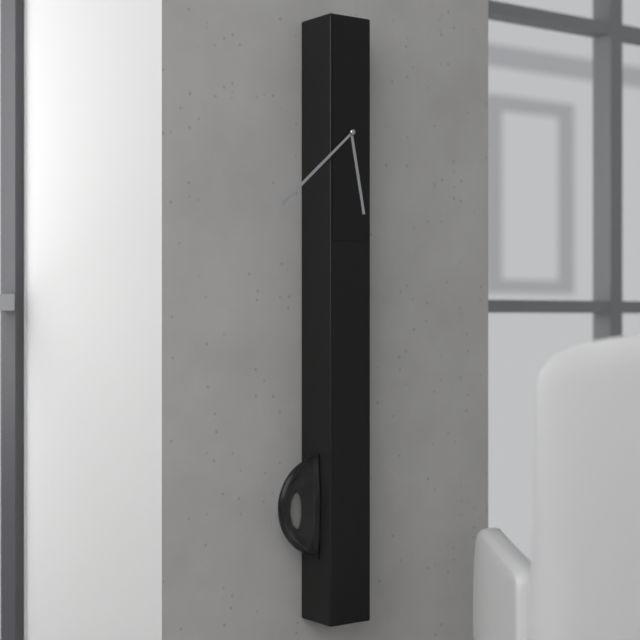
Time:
5:38
